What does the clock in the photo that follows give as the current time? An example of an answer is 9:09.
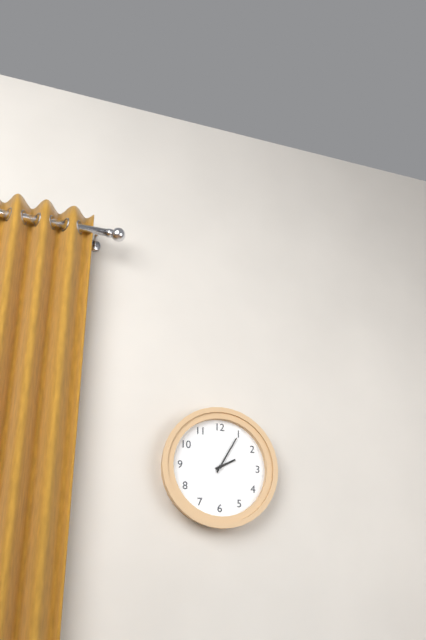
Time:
2:05
